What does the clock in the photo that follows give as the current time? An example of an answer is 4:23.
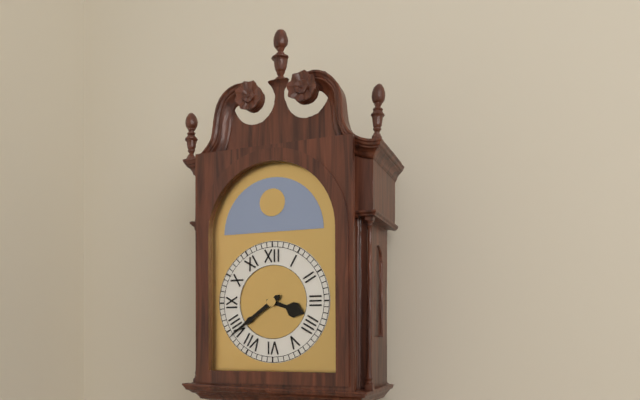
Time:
3:39
